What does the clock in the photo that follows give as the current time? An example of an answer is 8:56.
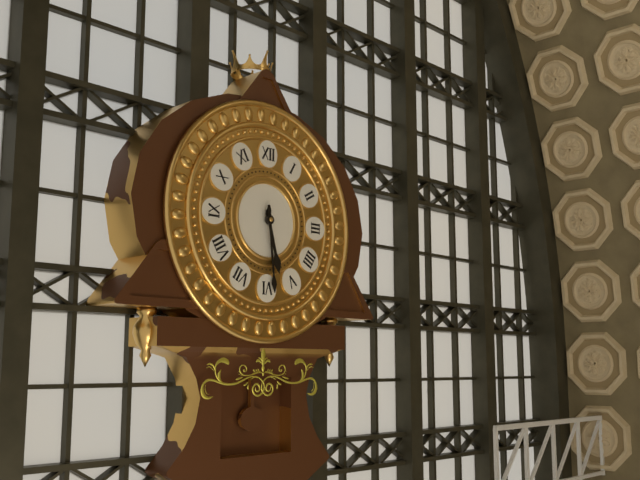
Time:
5:29
